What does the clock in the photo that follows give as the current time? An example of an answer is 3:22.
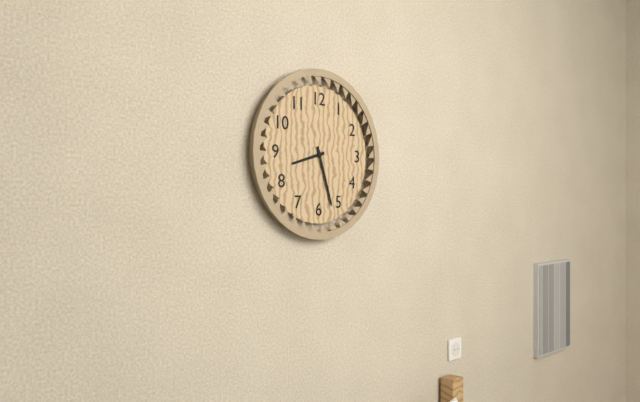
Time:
8:27
